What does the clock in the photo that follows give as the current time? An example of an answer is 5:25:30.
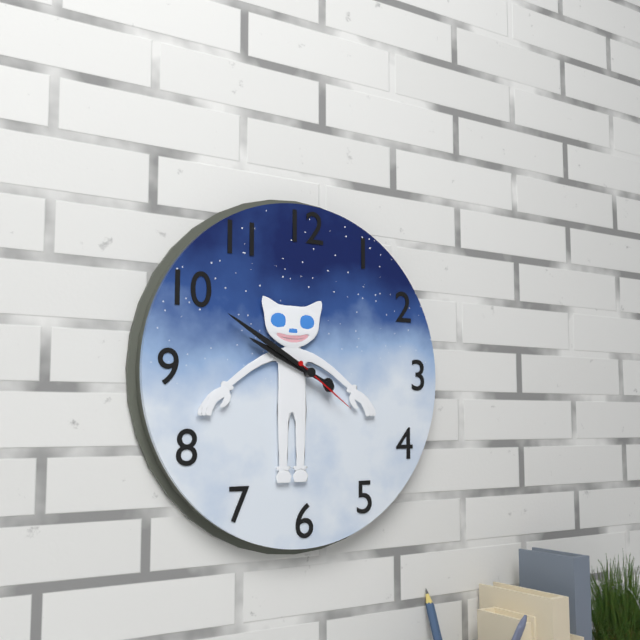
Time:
9:50:21
